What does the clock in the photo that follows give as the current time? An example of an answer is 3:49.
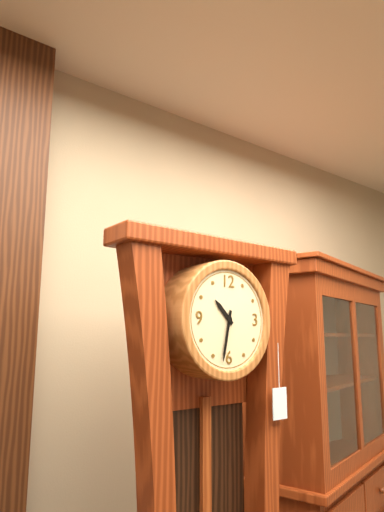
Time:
10:32
